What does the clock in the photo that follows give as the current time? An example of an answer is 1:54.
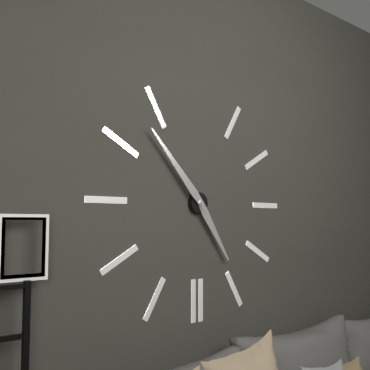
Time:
4:53
